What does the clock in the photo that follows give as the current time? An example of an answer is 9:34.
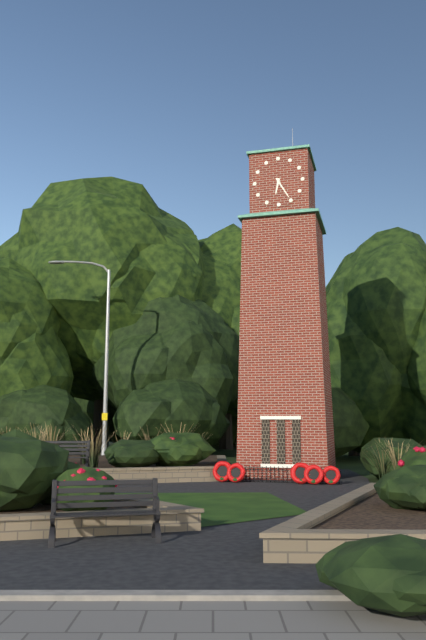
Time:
6:25
